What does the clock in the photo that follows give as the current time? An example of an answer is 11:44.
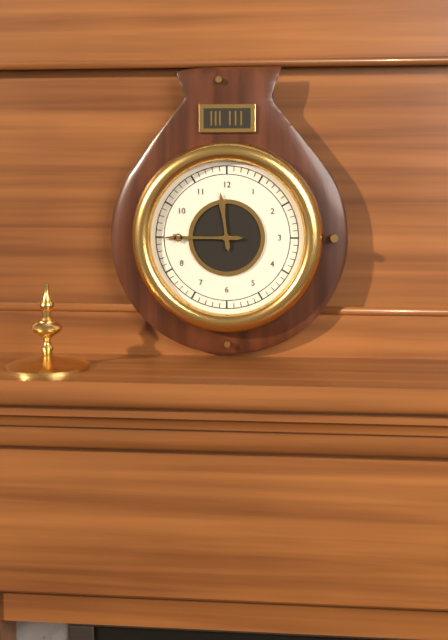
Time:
11:45
